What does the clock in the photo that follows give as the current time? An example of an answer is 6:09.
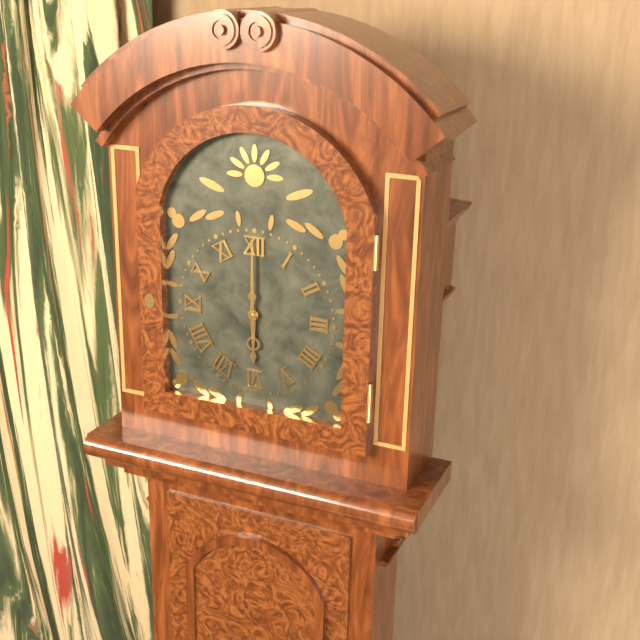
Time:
6:00
